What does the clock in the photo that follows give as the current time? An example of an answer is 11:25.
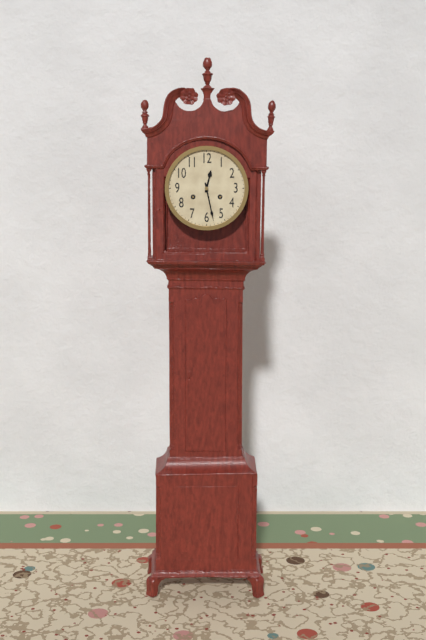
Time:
12:28
